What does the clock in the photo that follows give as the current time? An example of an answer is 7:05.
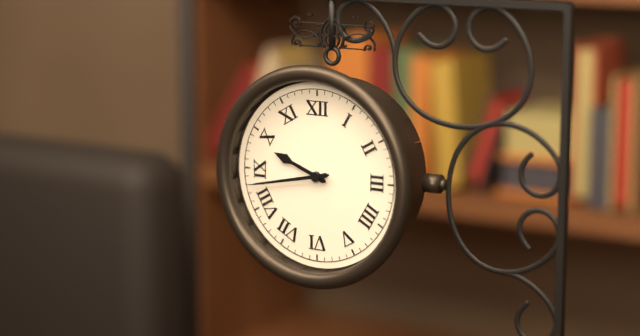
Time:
9:43
